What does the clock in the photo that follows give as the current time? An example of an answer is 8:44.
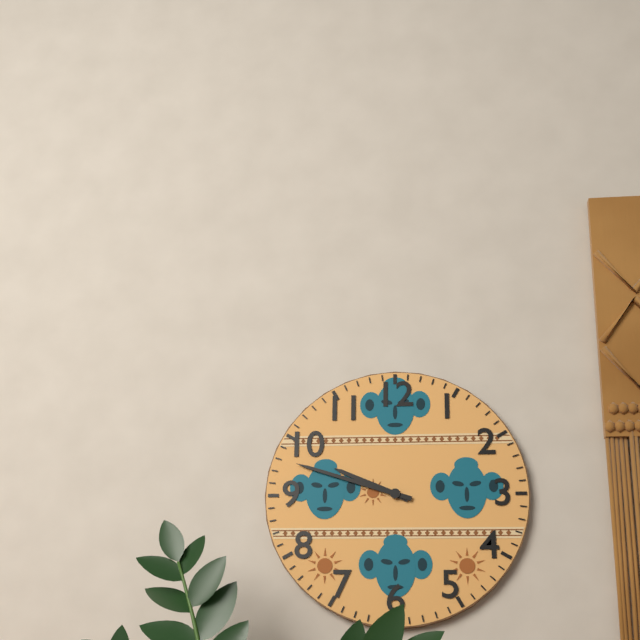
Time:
9:48
